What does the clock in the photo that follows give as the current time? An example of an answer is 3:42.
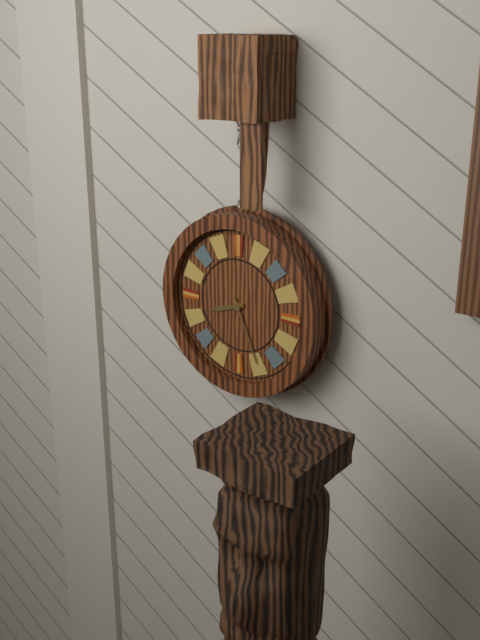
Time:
8:26
